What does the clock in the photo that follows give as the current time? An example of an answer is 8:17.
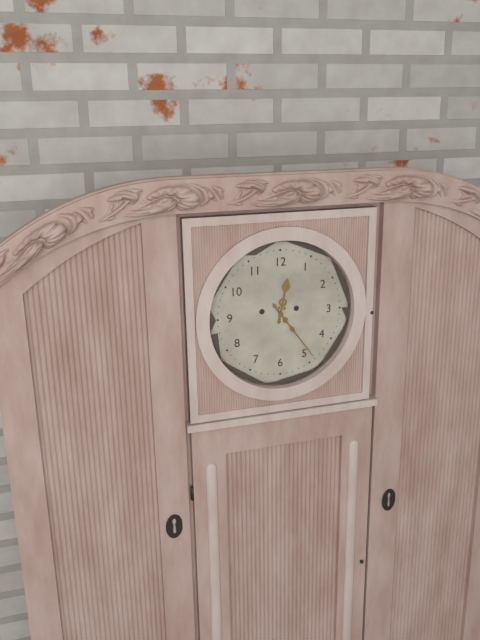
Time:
12:24
